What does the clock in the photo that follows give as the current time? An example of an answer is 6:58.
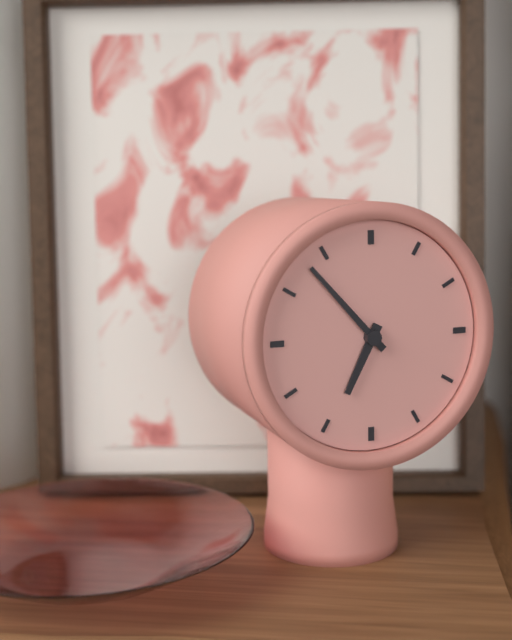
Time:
6:53
